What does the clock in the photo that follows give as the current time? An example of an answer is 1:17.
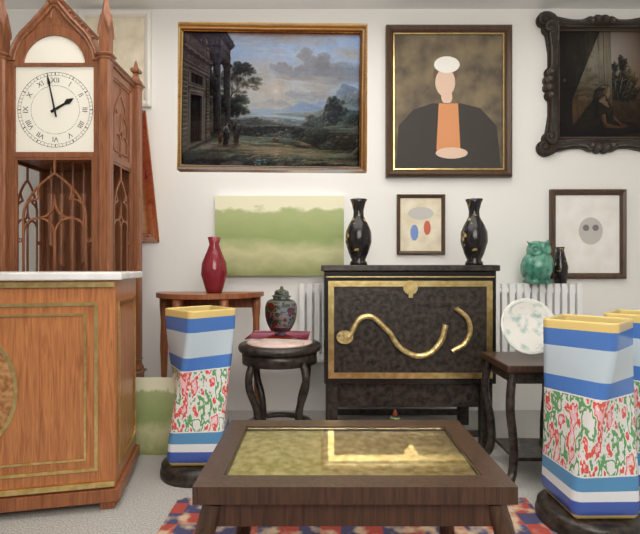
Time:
1:58
